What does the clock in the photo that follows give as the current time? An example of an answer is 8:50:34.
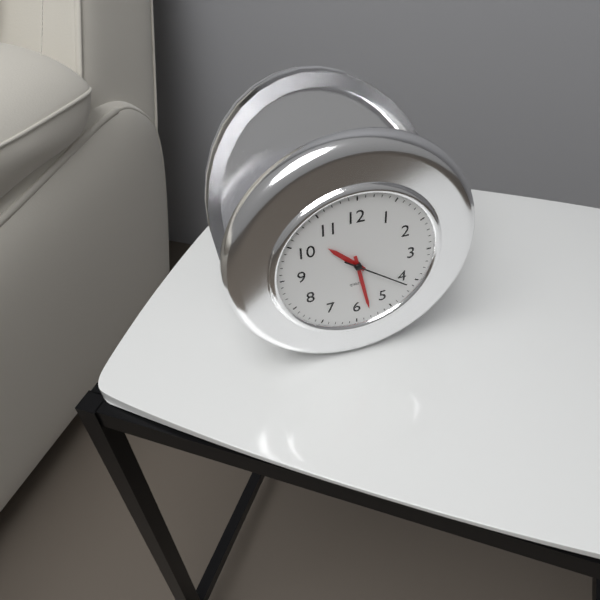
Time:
10:28:21
